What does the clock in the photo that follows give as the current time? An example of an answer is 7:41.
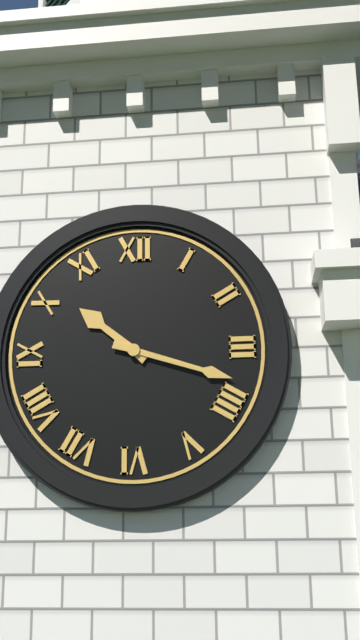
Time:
10:18
